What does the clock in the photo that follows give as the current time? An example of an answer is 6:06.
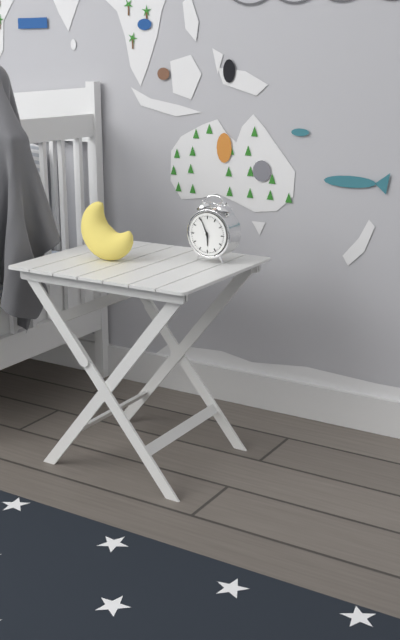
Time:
5:56
